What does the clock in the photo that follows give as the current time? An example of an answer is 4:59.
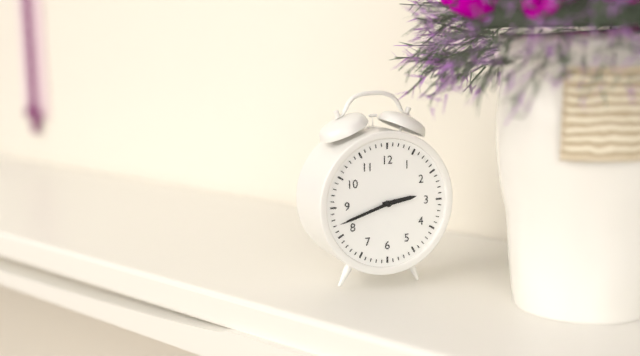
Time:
2:42
